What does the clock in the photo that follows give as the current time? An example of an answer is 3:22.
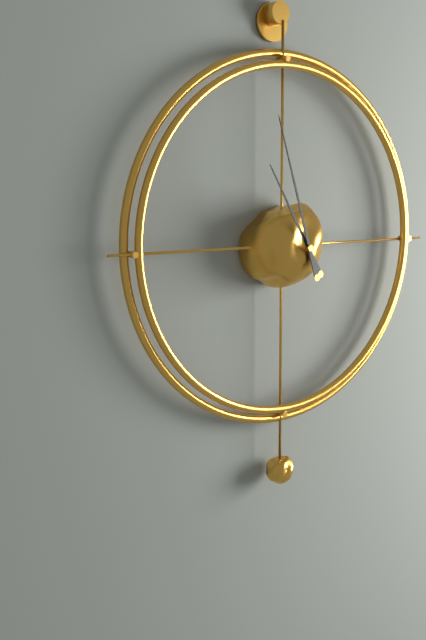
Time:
10:57
